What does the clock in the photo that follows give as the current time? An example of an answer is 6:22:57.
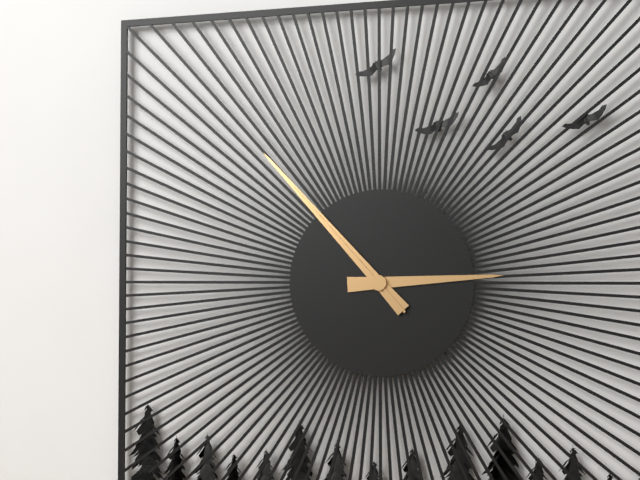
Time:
2:53:53
